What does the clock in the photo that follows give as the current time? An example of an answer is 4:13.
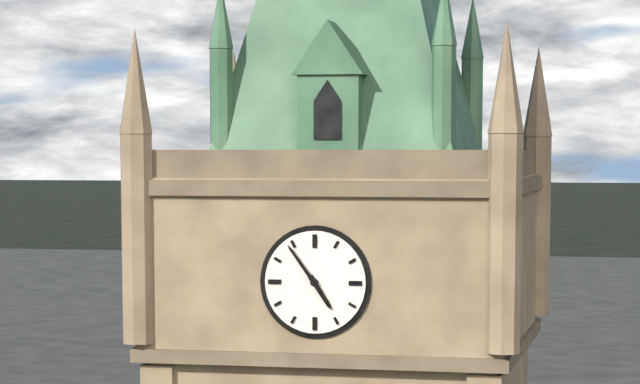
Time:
4:54
